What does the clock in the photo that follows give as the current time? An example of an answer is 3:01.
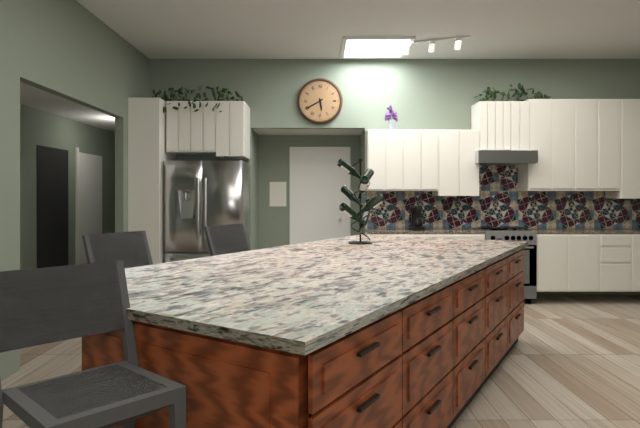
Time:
5:40
